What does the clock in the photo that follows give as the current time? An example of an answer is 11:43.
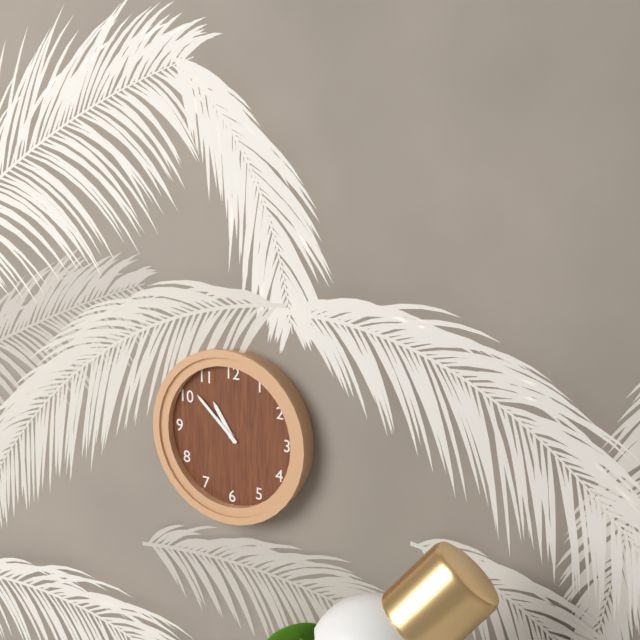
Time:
10:52
